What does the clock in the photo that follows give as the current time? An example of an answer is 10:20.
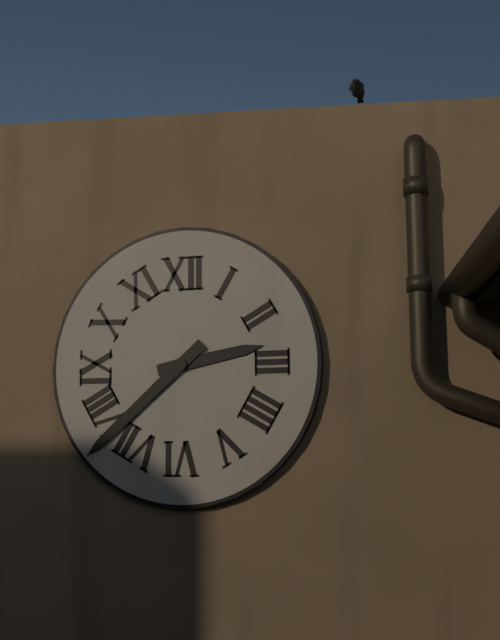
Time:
2:38
